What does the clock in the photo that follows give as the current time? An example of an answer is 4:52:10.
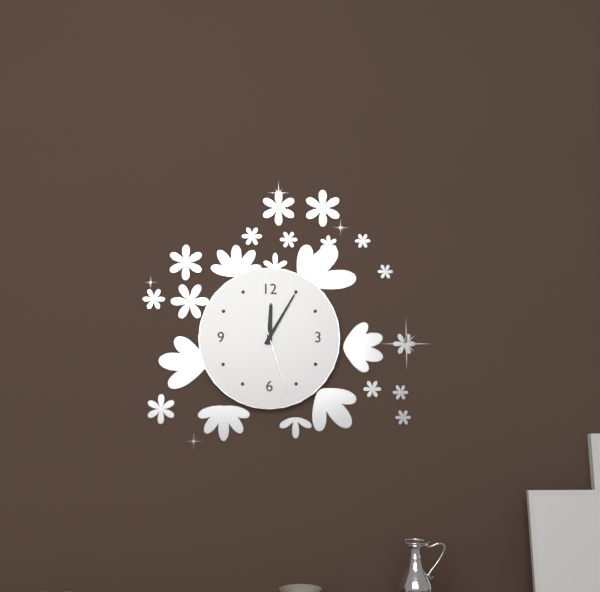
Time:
12:05:27
